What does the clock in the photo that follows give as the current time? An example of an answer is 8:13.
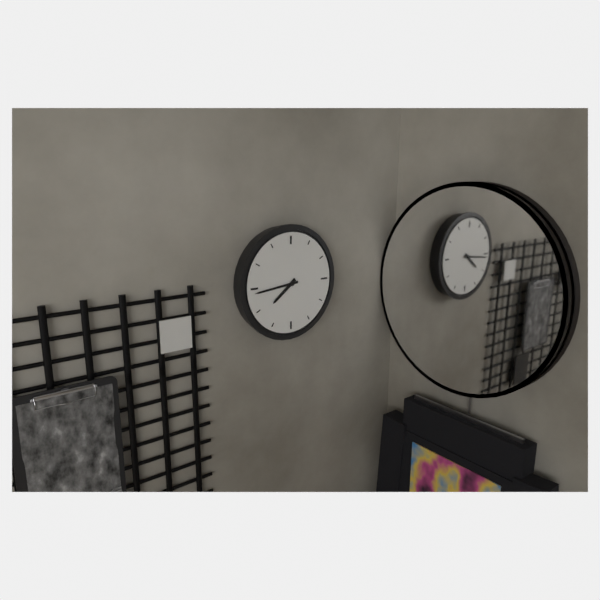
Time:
7:44
